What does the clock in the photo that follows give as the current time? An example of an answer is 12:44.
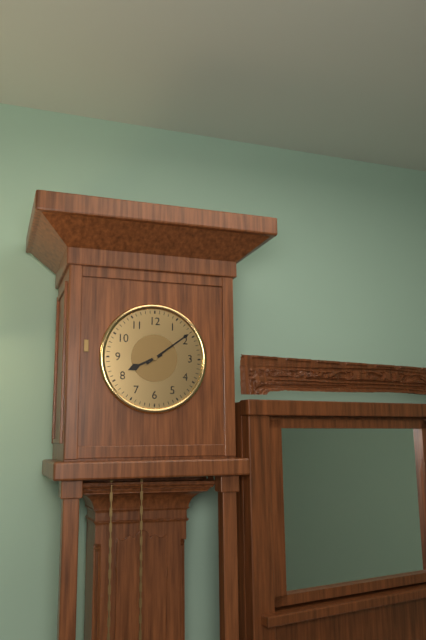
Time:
8:09
